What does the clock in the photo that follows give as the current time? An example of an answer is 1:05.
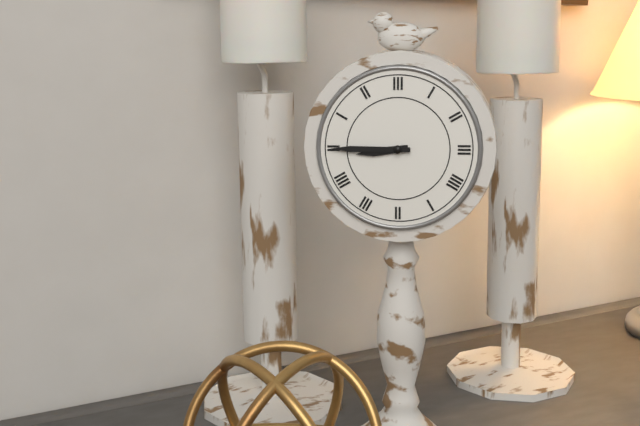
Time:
8:45
